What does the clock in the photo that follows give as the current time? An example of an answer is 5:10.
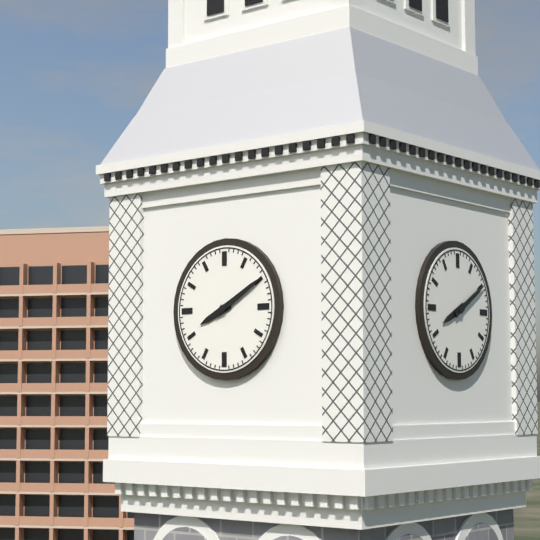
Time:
8:10
